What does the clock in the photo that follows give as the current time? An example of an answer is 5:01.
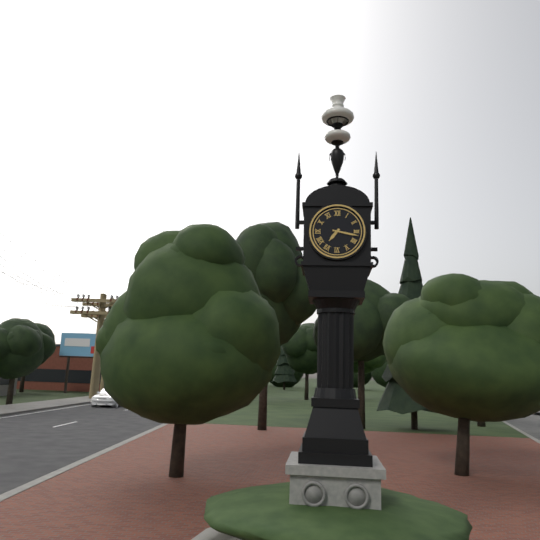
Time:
7:17
